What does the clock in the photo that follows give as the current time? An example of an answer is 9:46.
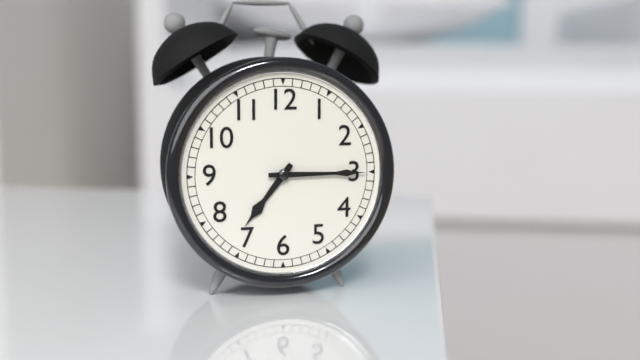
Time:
7:15
